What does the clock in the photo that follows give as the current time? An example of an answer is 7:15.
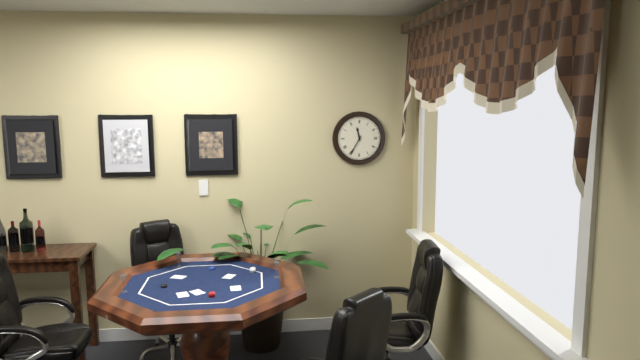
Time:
11:35
